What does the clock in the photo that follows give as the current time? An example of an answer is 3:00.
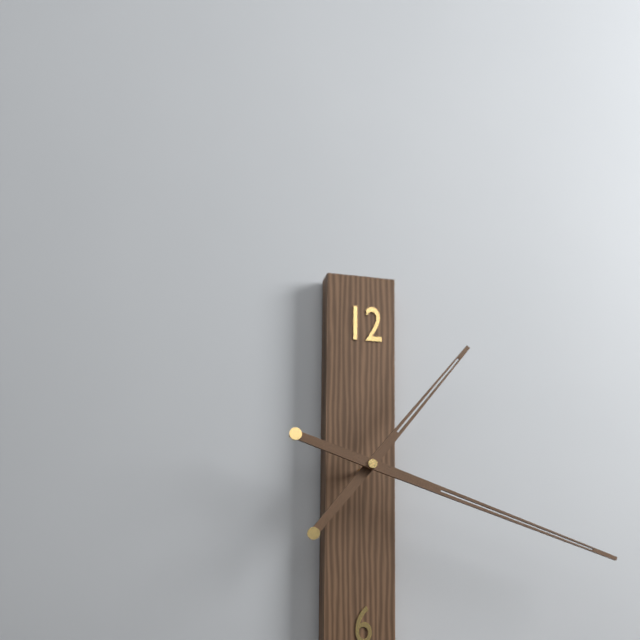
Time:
1:18
